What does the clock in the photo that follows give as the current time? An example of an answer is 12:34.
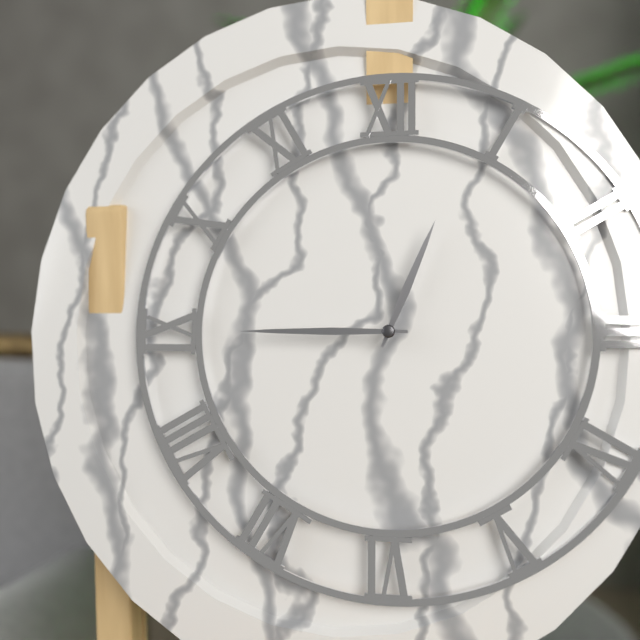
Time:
12:45
